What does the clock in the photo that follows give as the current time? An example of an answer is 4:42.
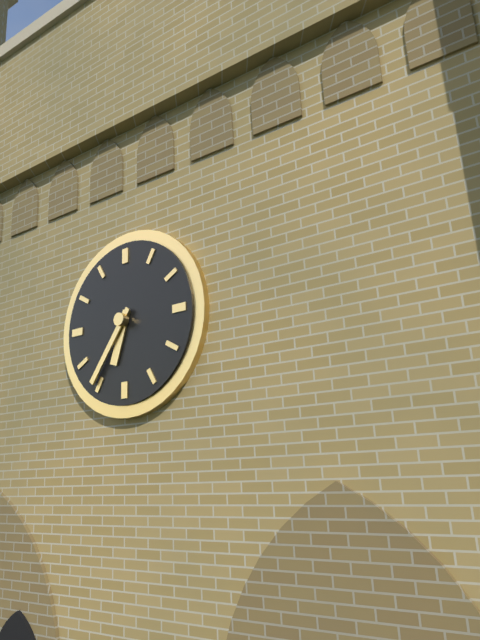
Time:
6:36
